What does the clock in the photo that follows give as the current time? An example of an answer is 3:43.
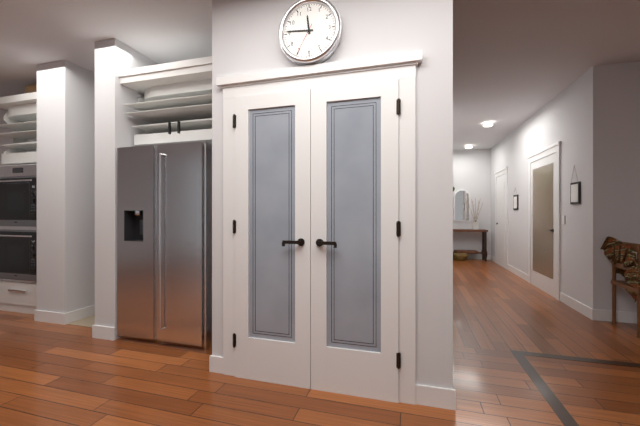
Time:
11:46
